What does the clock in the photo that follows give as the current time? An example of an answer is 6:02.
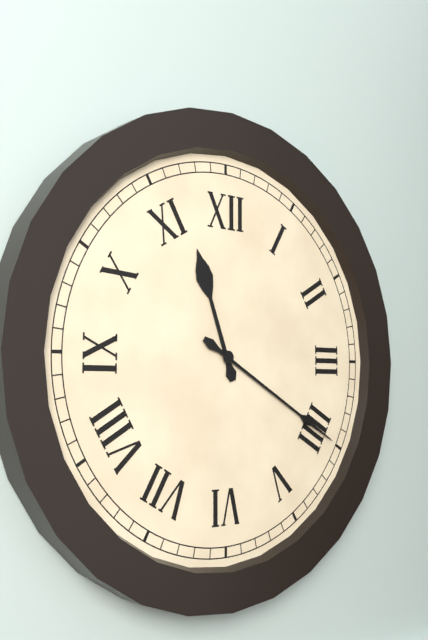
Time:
11:20
